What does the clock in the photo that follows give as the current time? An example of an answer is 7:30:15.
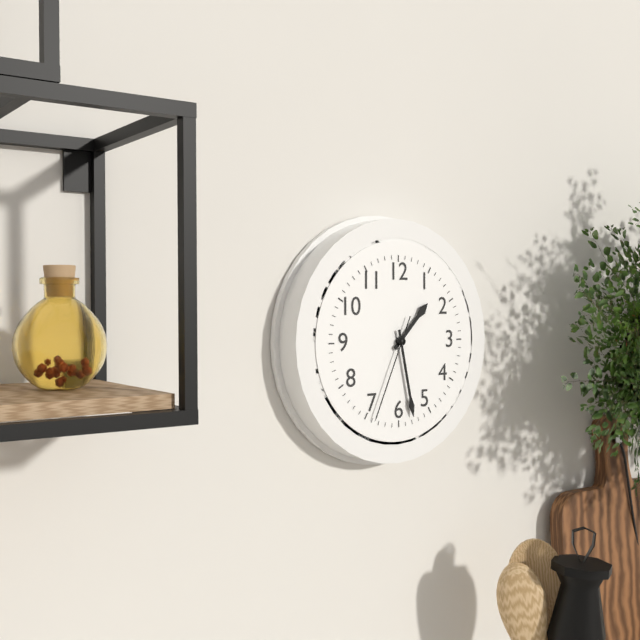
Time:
1:28:34
